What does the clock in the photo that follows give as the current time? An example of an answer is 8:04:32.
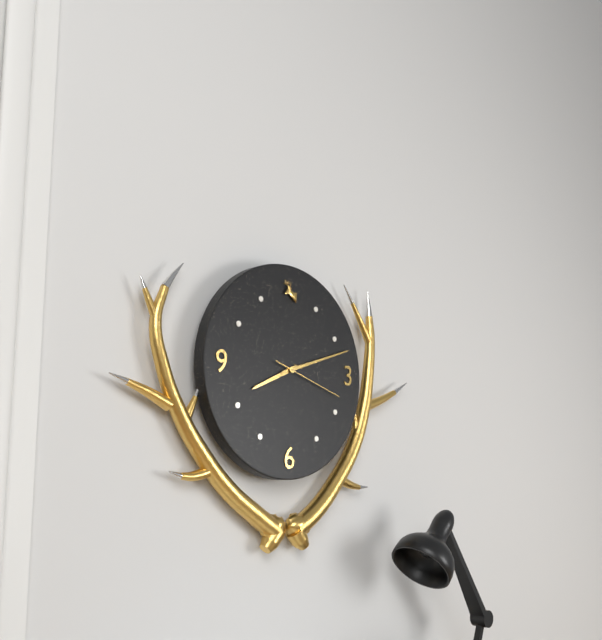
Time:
8:12:18
